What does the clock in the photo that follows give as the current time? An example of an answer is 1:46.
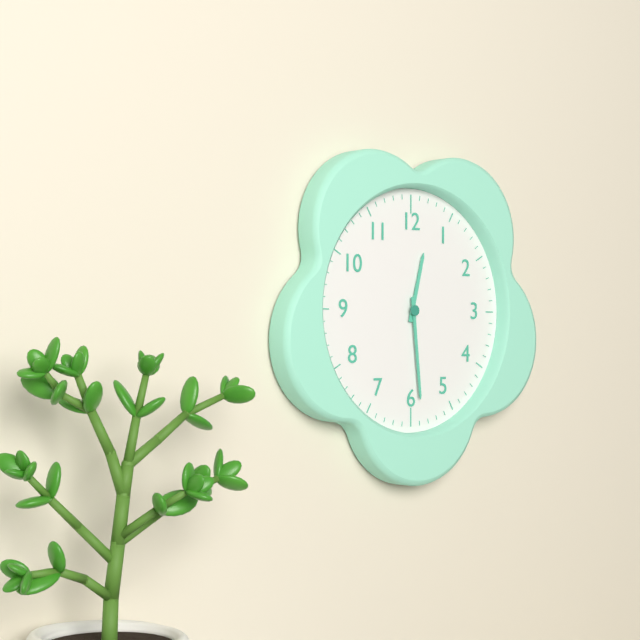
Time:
12:29
